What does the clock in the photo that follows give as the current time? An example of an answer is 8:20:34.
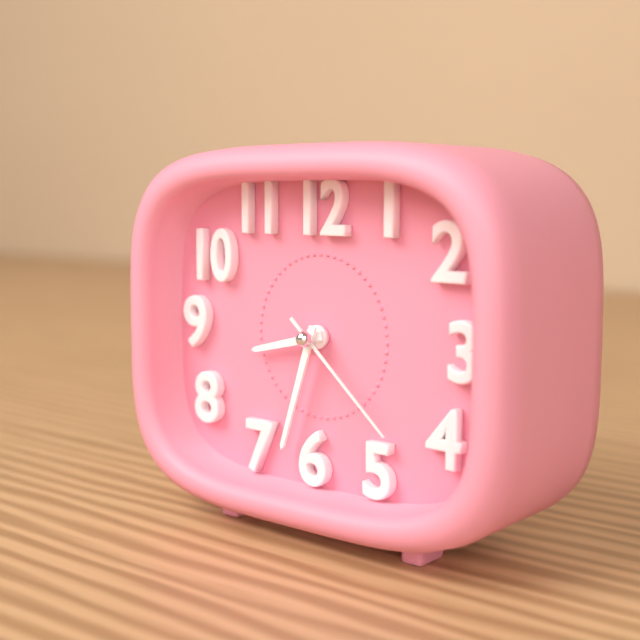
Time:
8:33:22
